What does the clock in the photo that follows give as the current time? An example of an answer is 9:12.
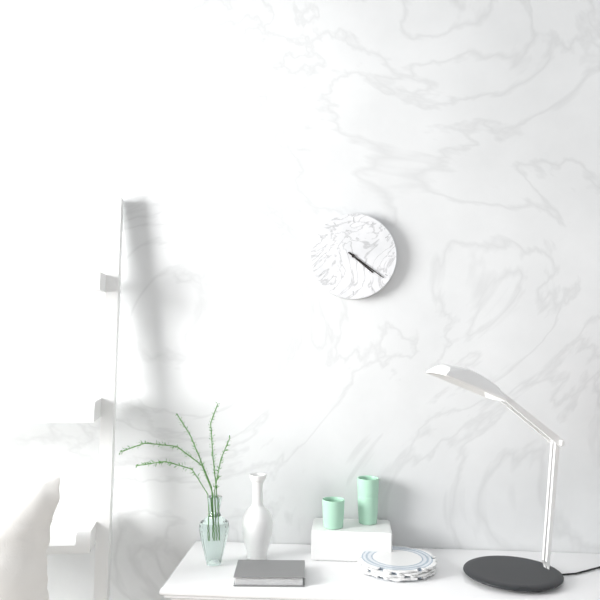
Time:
4:21
